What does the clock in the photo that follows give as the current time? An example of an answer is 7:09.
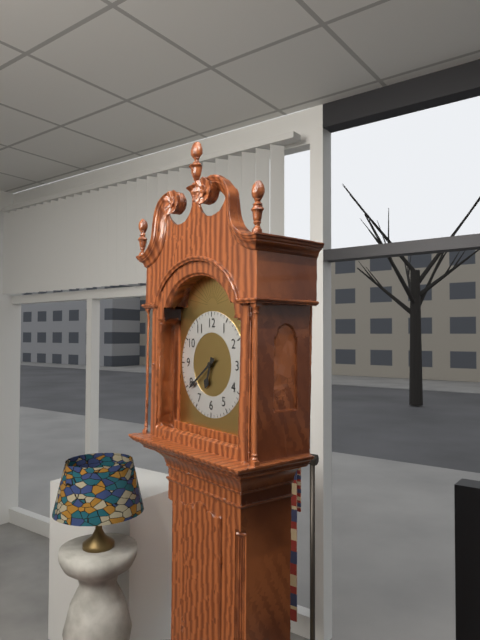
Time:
6:39
